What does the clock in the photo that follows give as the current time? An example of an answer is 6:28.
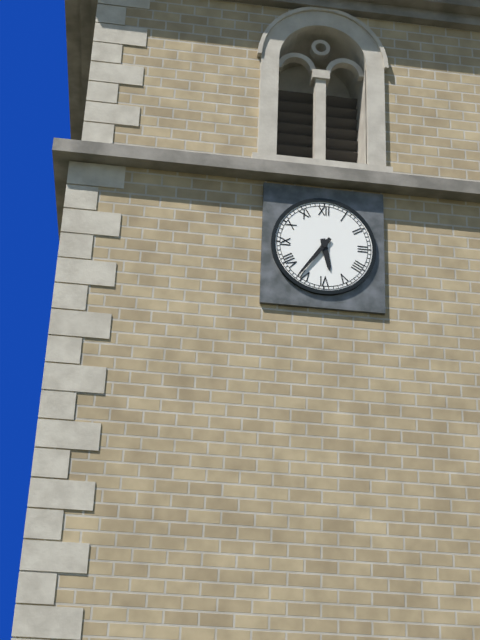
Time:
5:36
